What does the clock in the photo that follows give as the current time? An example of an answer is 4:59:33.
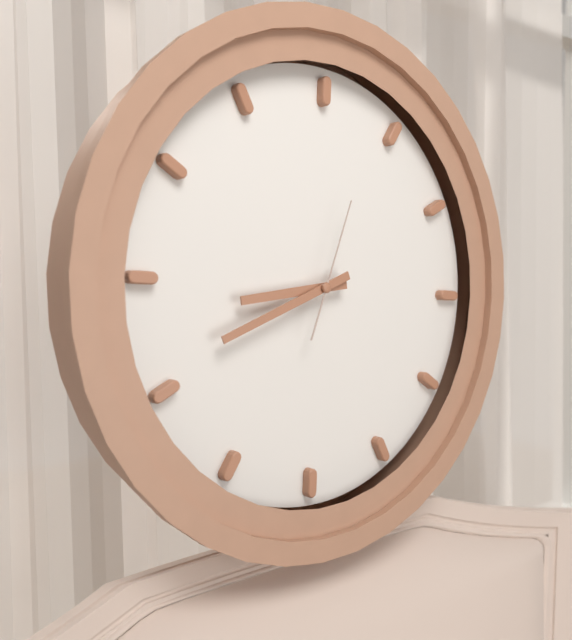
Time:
8:41:03
